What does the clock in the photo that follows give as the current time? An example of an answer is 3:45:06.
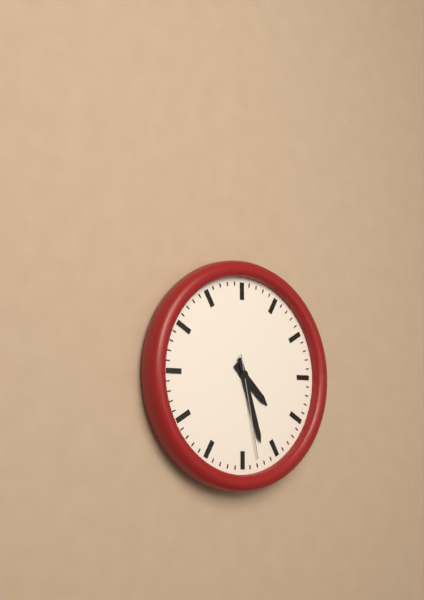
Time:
4:27:28
